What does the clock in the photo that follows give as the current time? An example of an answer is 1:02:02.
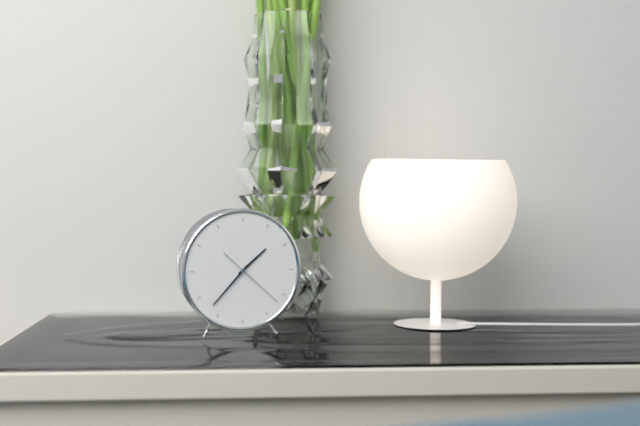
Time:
1:37:22
